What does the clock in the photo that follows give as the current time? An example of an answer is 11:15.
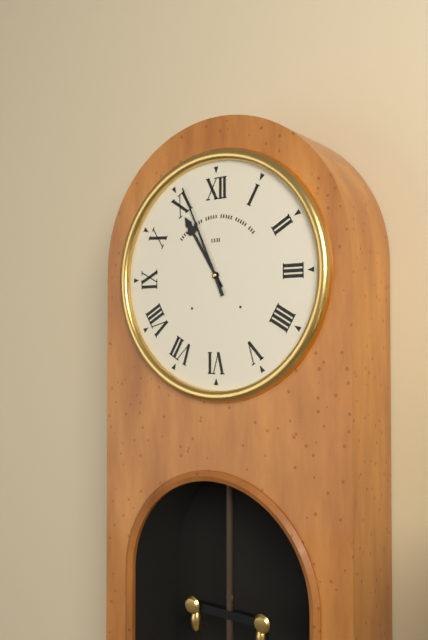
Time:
10:56
